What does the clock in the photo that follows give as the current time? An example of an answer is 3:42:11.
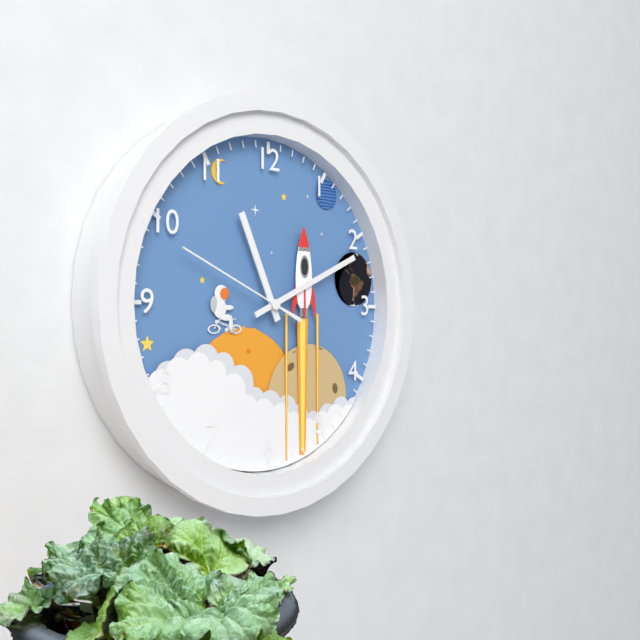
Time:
11:11:49
